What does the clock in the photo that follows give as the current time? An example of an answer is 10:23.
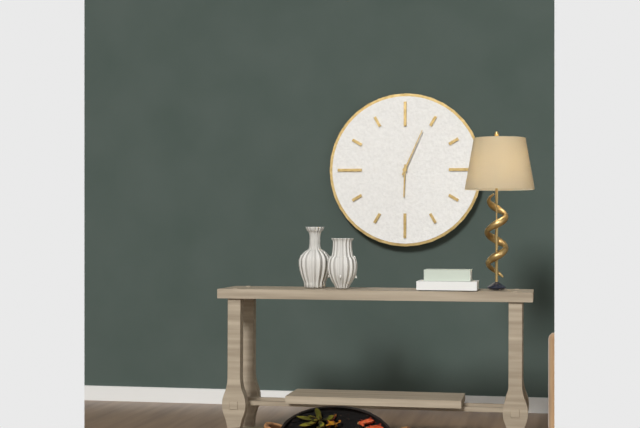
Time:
6:04
